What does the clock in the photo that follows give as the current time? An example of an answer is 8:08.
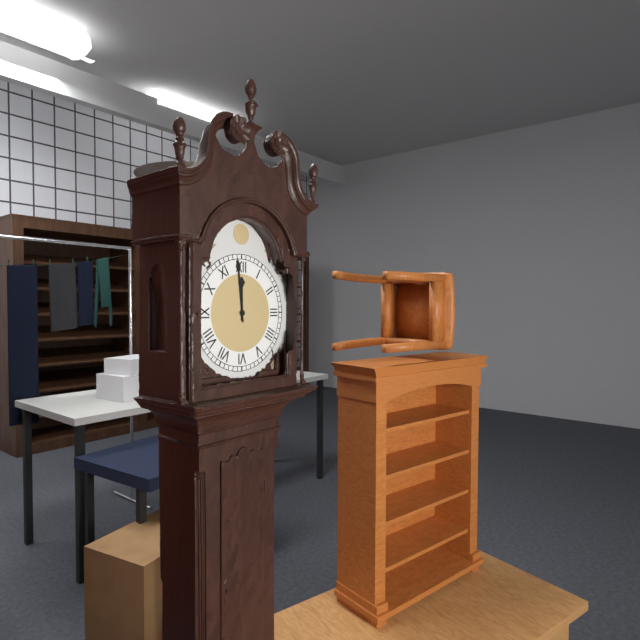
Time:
11:59
